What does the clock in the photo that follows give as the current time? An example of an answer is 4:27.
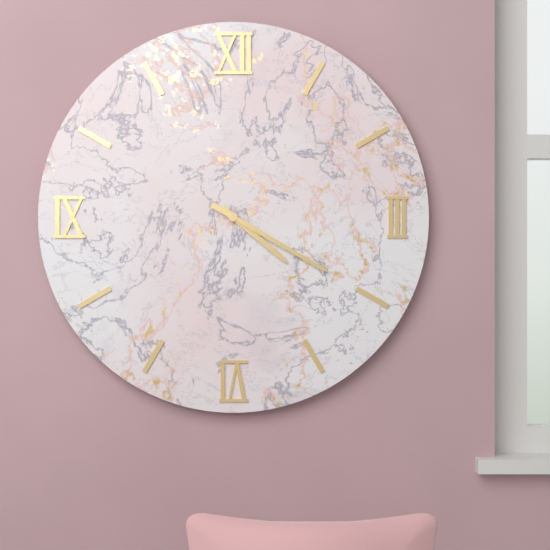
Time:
4:20
